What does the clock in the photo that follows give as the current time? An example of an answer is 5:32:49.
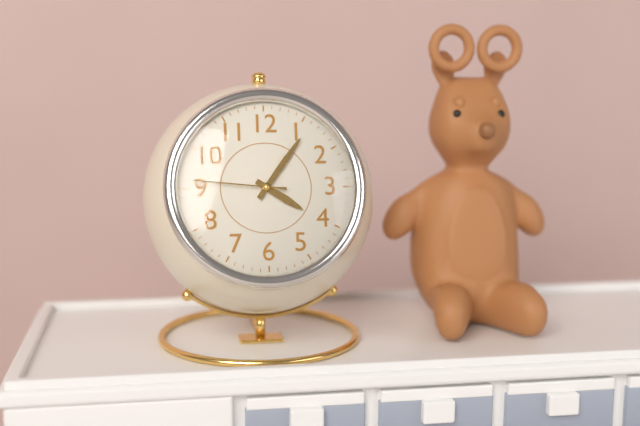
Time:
4:06:46
